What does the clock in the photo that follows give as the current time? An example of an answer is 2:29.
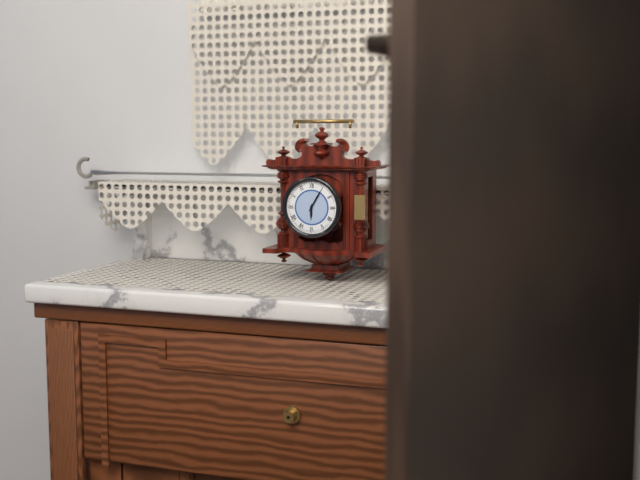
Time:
6:05
